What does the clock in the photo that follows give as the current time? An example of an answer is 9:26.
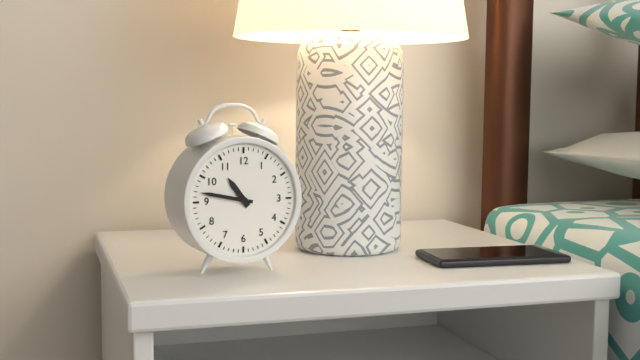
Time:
10:47
